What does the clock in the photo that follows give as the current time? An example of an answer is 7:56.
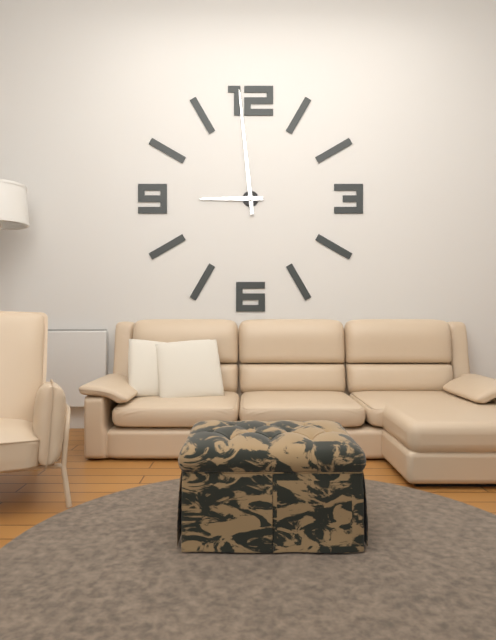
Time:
8:59
